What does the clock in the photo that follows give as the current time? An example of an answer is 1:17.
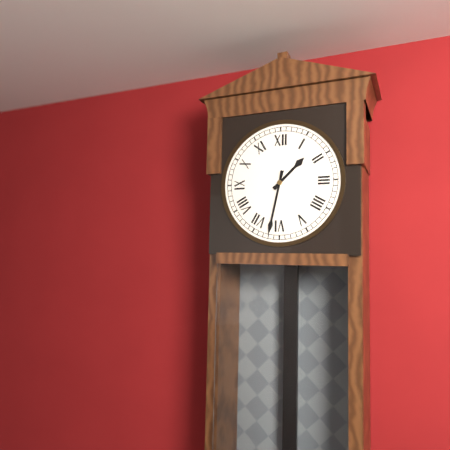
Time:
1:32
